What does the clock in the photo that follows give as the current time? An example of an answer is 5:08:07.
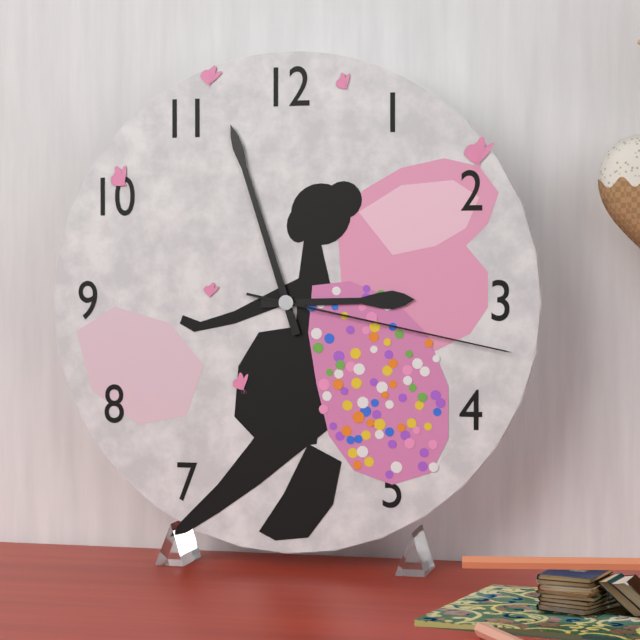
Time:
2:57:17
